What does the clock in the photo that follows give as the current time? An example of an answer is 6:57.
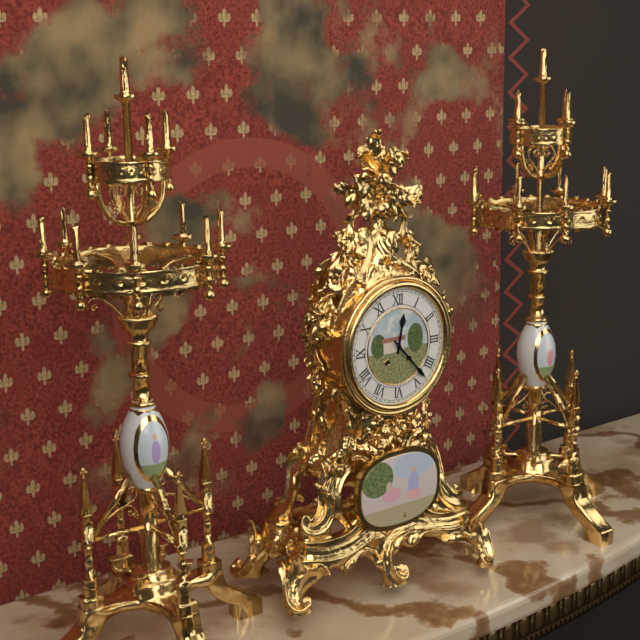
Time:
12:23
